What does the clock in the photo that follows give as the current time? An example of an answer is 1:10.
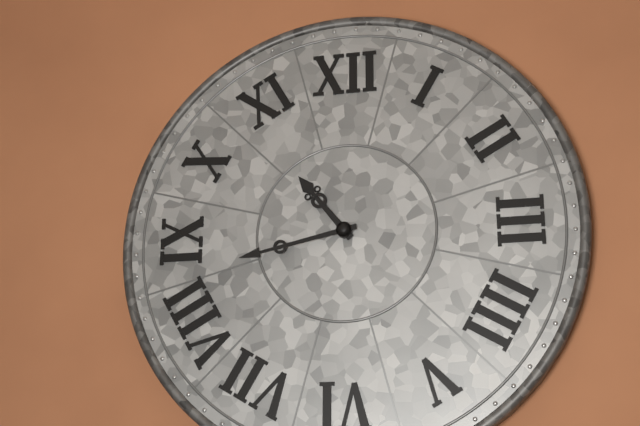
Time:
10:43
